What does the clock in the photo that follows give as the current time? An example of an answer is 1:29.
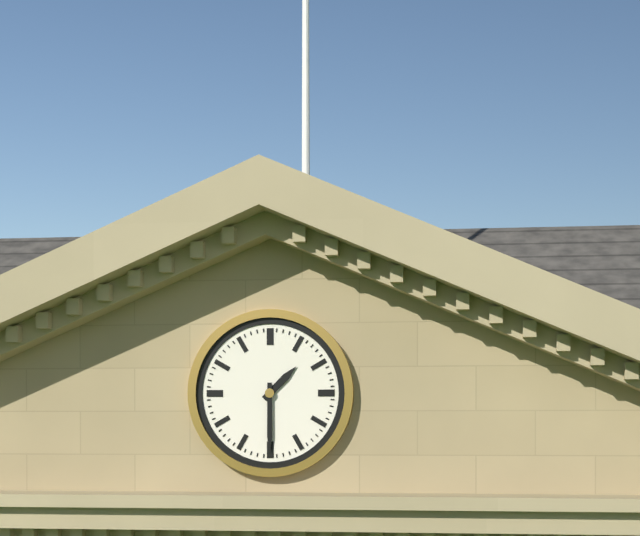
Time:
1:30
